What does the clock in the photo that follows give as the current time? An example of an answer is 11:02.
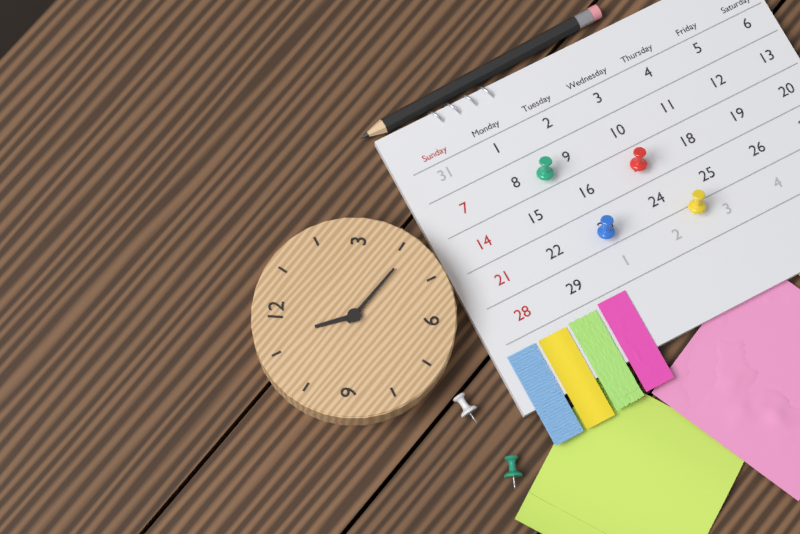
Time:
11:21
